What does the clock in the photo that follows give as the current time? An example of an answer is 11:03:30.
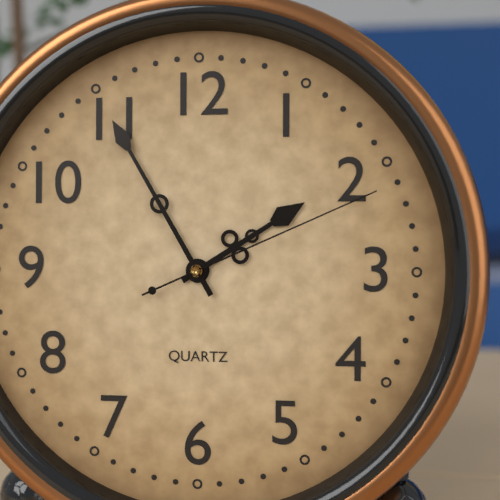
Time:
1:55:11
